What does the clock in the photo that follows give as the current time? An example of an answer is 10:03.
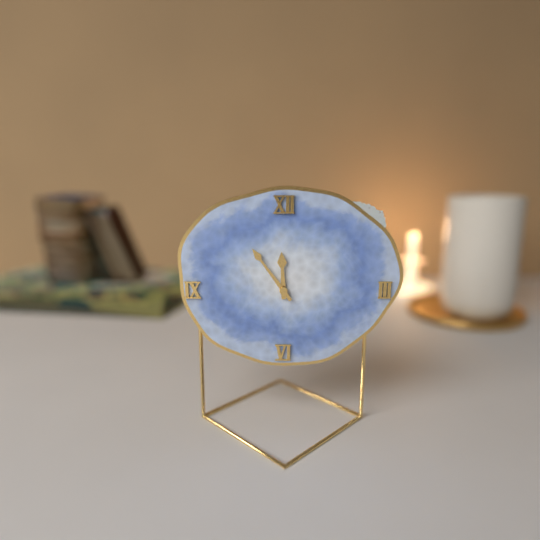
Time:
11:54
